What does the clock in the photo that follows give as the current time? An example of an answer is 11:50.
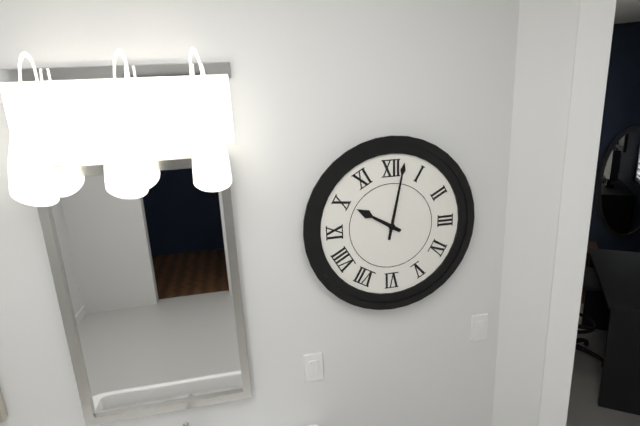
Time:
10:02
